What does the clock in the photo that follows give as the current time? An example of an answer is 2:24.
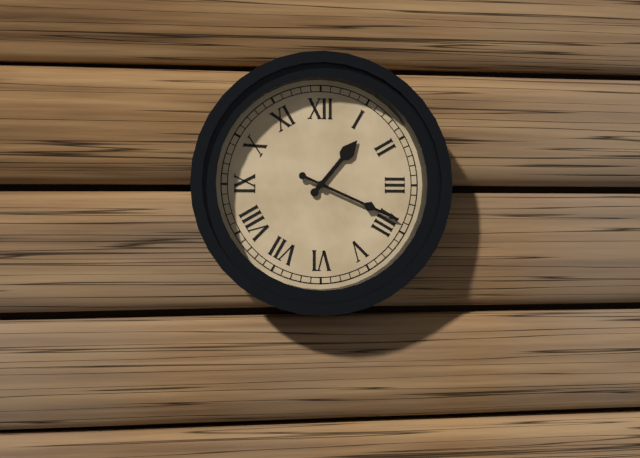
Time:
1:19
